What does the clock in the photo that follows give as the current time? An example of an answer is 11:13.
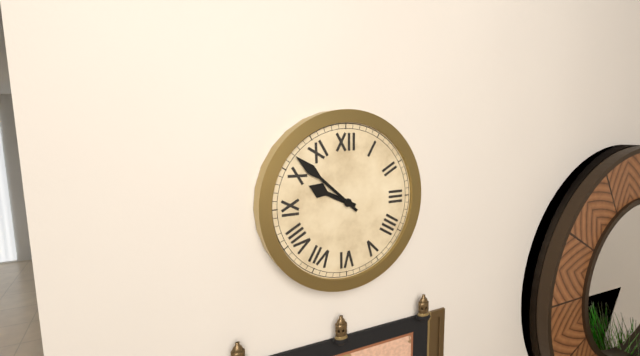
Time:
9:52
